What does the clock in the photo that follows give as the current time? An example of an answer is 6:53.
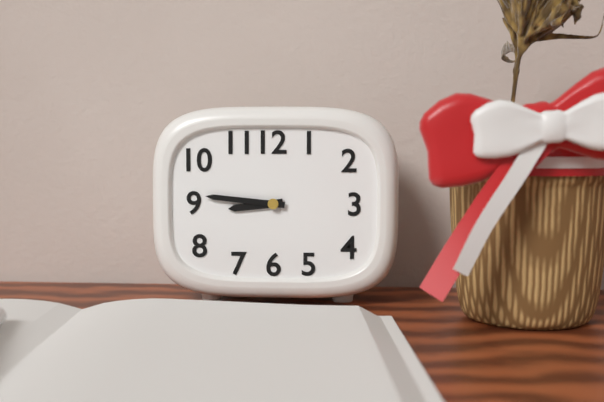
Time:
8:46
